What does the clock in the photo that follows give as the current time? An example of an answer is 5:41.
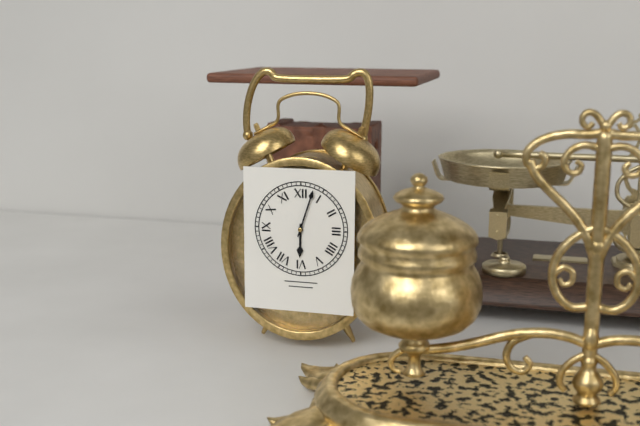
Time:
6:03
